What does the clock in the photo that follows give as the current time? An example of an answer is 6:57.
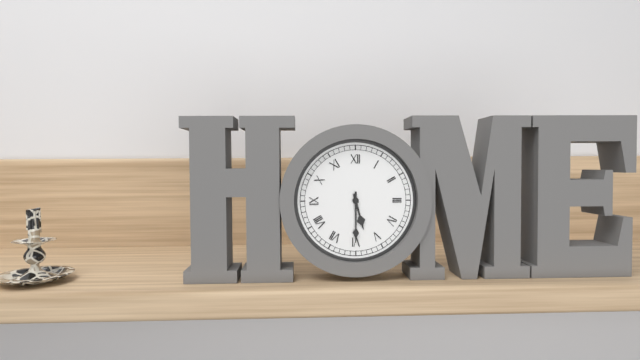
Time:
5:30
